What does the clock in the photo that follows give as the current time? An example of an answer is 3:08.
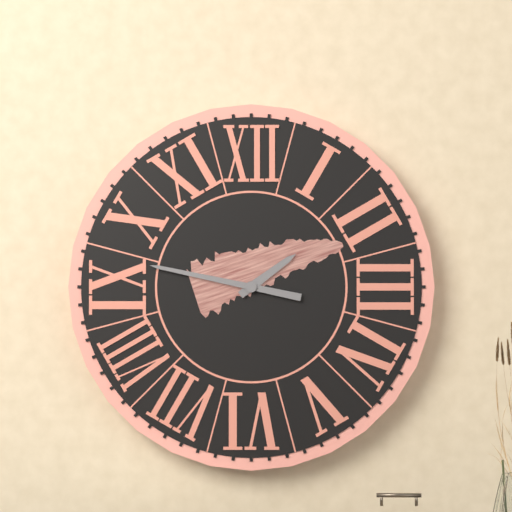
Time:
1:47
